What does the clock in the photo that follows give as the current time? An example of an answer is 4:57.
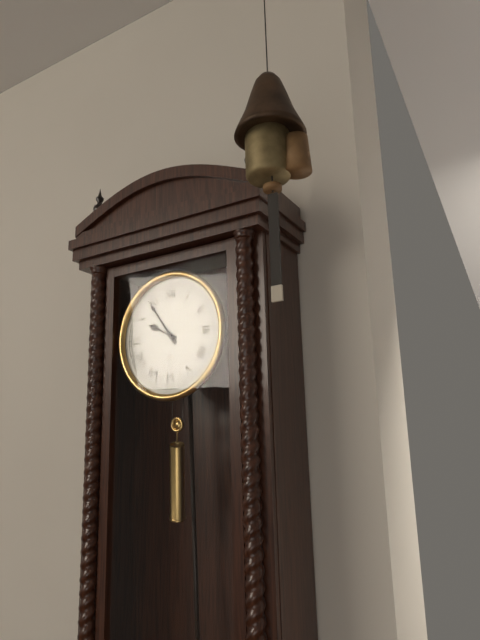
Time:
9:54
